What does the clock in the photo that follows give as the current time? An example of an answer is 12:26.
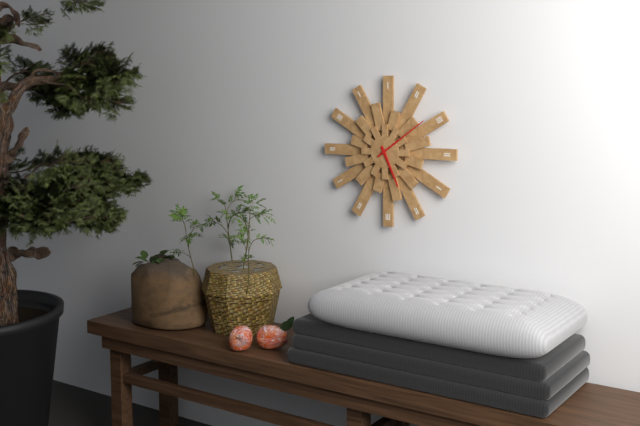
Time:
5:09
